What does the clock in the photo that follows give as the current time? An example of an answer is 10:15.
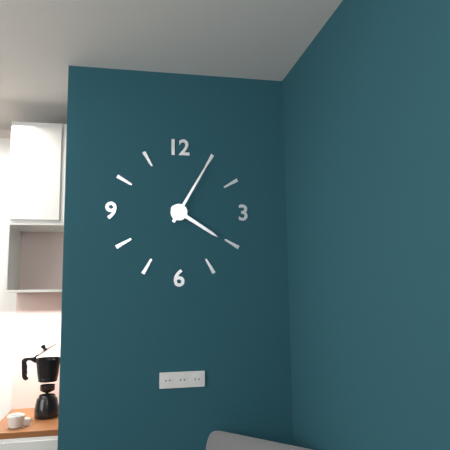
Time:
4:05
